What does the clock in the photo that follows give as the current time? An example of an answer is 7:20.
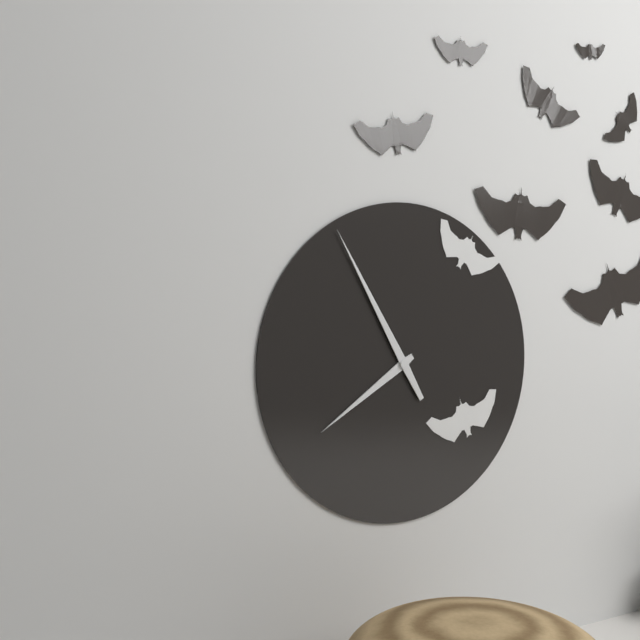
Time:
7:55
